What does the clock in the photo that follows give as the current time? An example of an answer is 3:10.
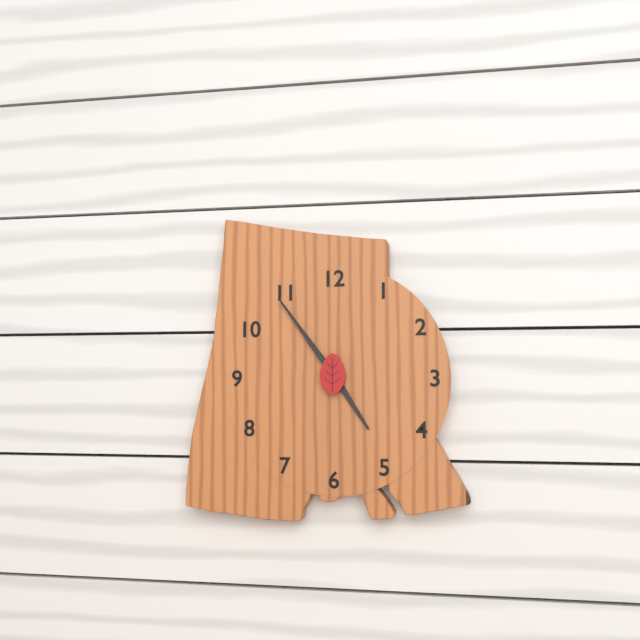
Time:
4:54
